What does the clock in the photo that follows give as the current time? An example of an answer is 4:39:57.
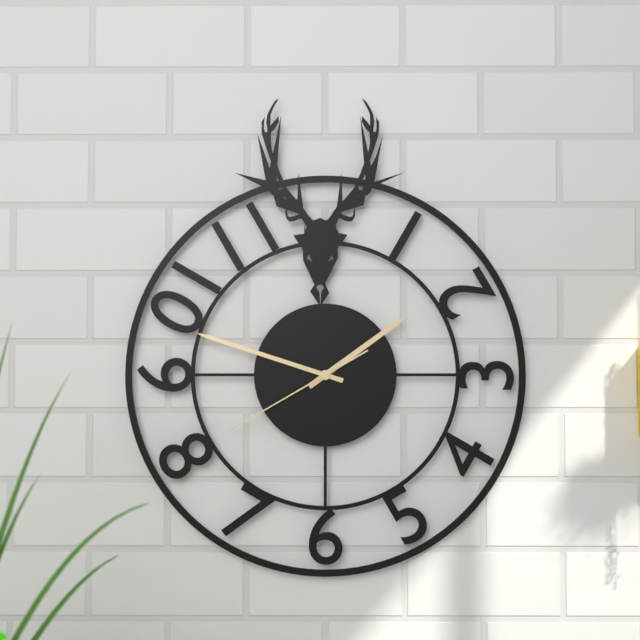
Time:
1:48:40
